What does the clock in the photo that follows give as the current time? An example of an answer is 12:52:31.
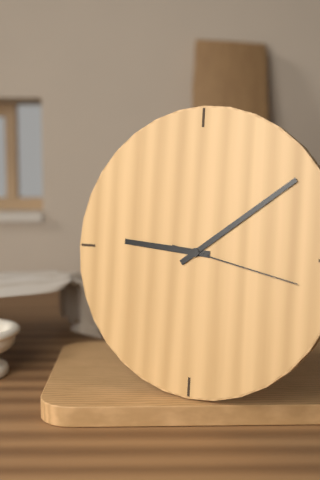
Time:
9:09:17
